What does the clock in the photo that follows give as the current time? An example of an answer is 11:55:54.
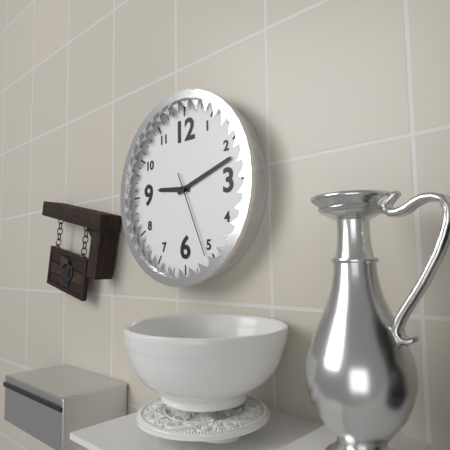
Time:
9:12:26
